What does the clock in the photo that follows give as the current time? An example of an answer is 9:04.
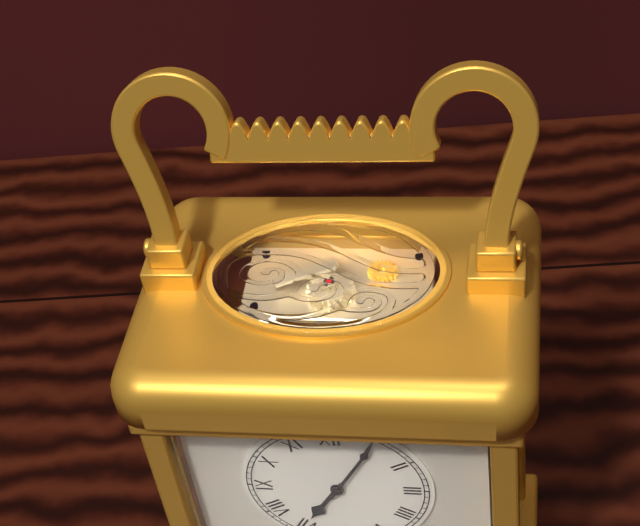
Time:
7:05
